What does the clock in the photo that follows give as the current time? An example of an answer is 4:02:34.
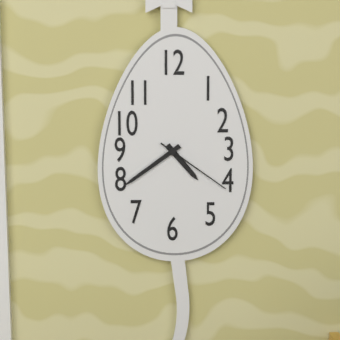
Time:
4:39:21
